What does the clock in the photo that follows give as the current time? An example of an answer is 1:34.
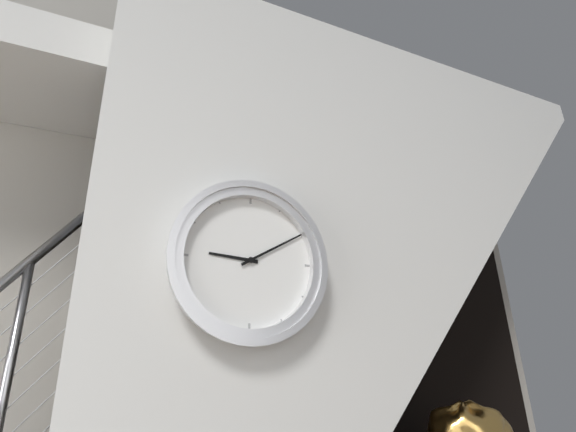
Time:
9:10
